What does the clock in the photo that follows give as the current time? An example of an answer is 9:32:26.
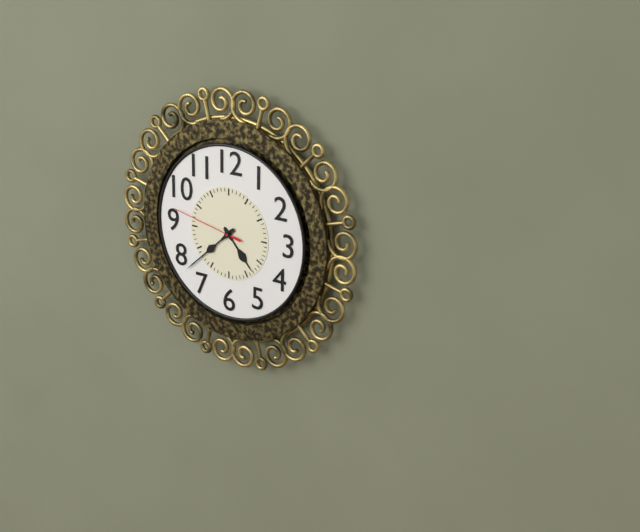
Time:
4:38:47
